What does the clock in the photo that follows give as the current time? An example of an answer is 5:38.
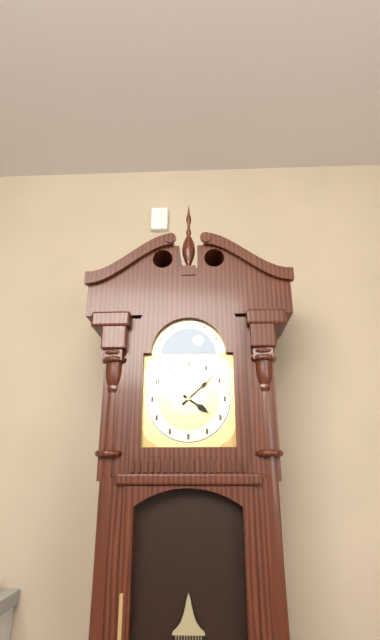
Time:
4:08
